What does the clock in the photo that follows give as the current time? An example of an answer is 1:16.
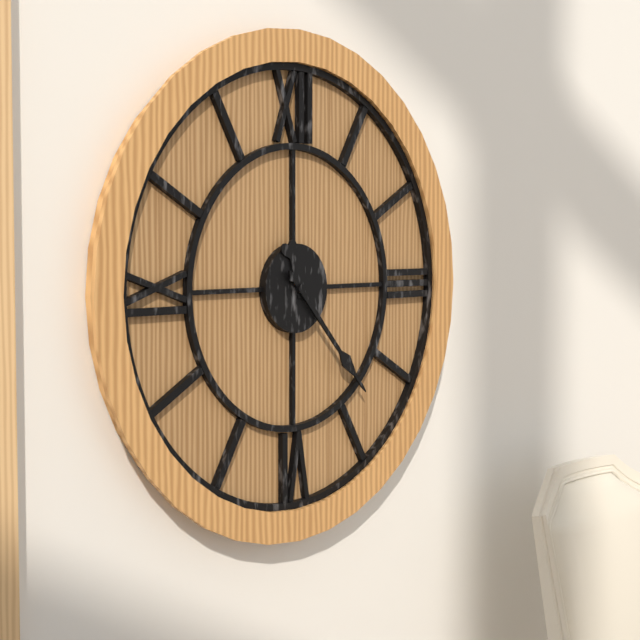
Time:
11:23
